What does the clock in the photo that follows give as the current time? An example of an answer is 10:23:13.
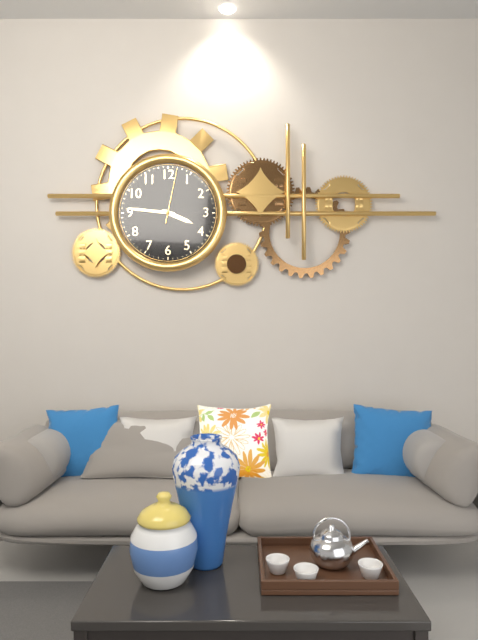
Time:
3:46:02
